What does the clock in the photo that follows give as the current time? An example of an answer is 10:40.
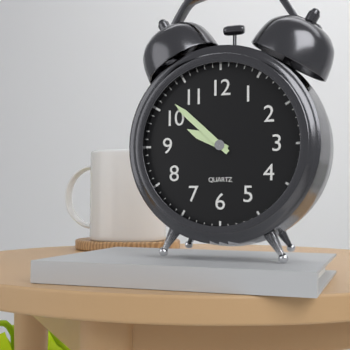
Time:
9:52
